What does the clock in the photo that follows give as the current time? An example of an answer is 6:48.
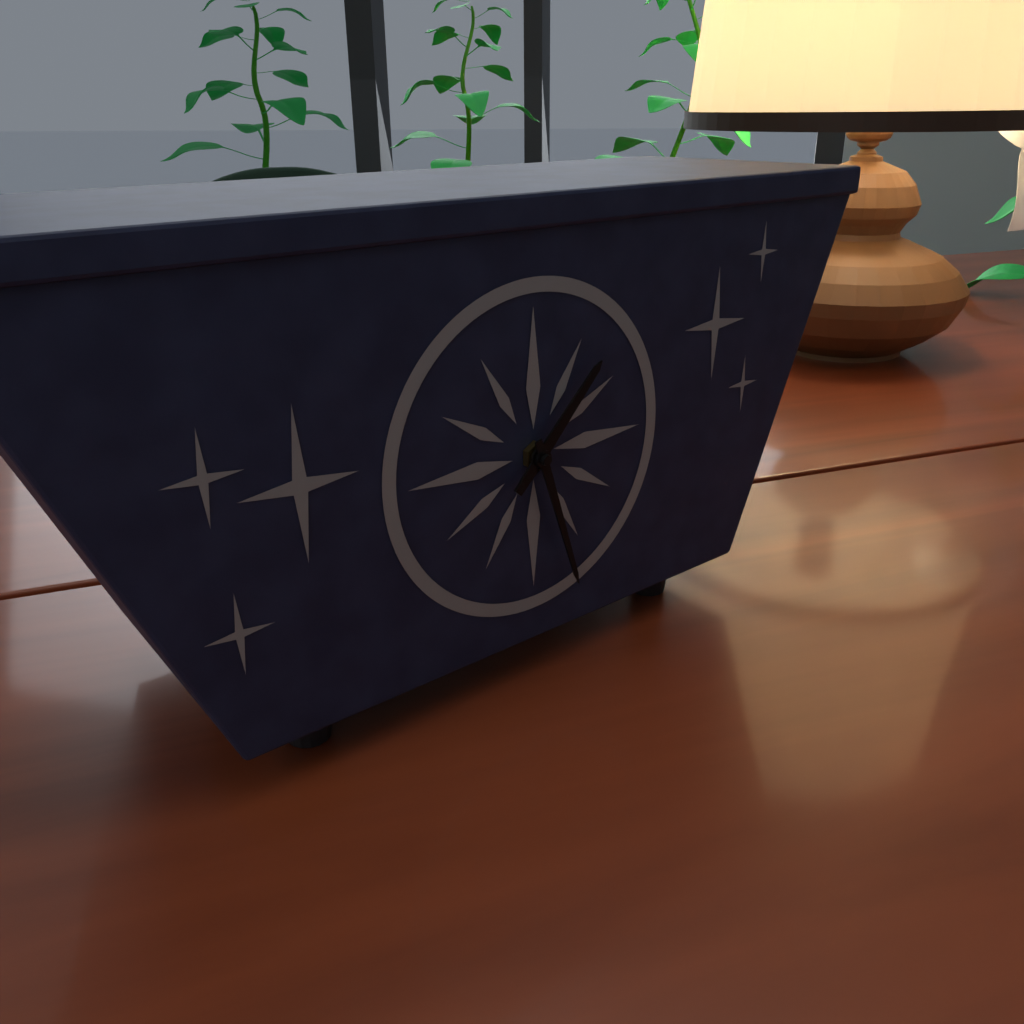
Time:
1:27
